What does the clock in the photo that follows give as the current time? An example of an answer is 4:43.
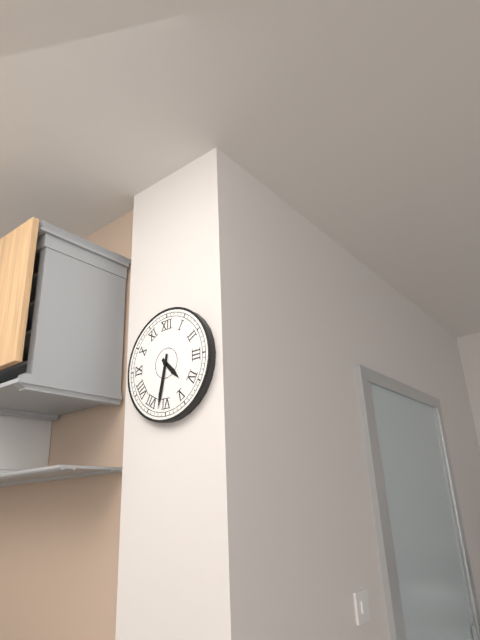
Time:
4:32
